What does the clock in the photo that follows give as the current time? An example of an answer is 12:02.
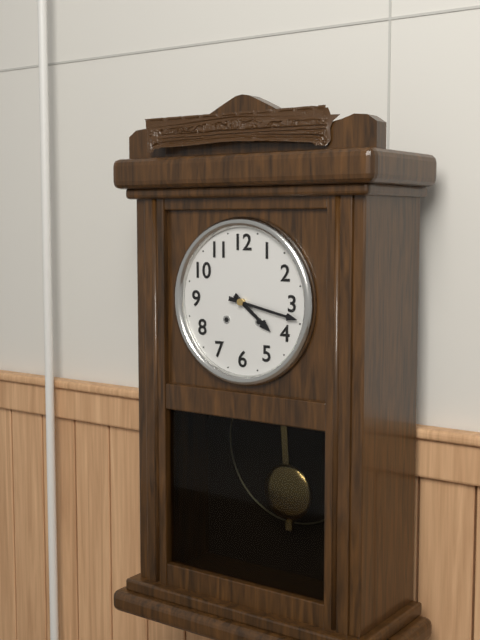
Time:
4:17
